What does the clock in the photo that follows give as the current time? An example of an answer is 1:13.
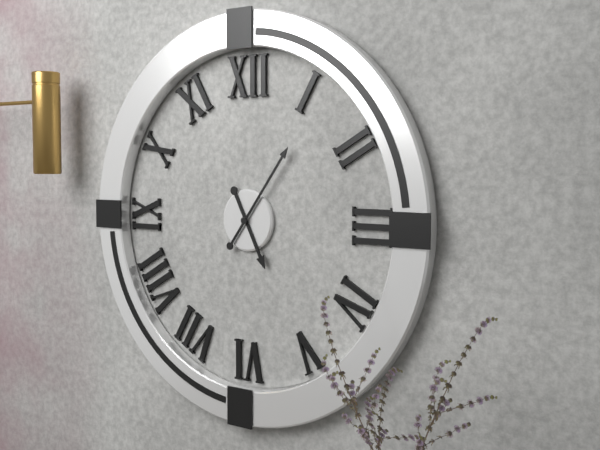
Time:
5:06
